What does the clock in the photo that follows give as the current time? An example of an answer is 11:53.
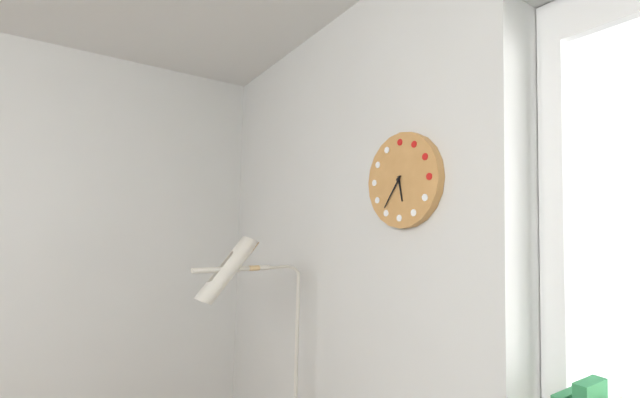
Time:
5:36
